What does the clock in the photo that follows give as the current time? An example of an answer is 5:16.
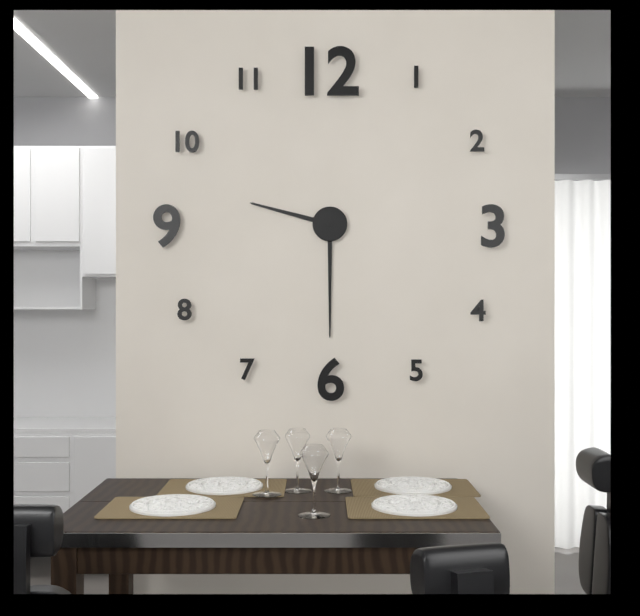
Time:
9:30
